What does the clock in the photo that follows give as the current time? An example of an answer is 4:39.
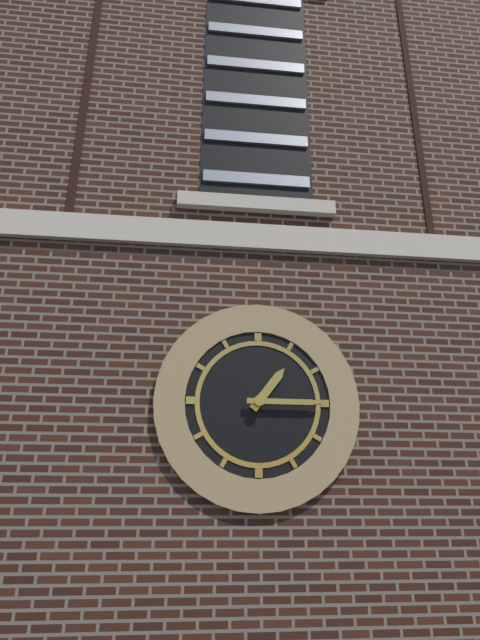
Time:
1:15
